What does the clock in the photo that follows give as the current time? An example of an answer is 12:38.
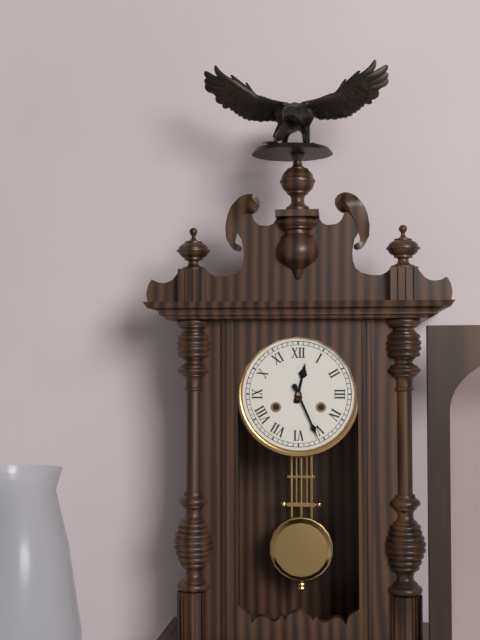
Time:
12:26
